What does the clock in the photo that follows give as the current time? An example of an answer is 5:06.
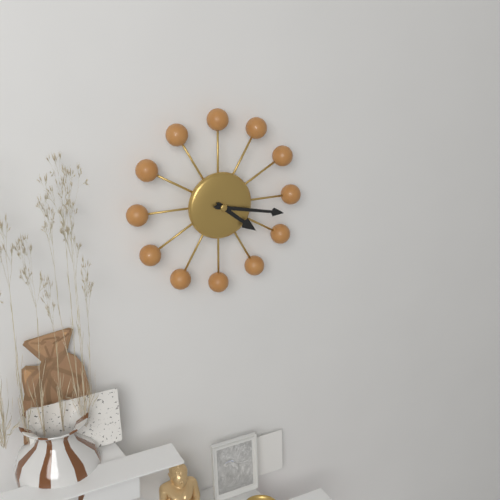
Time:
4:17
